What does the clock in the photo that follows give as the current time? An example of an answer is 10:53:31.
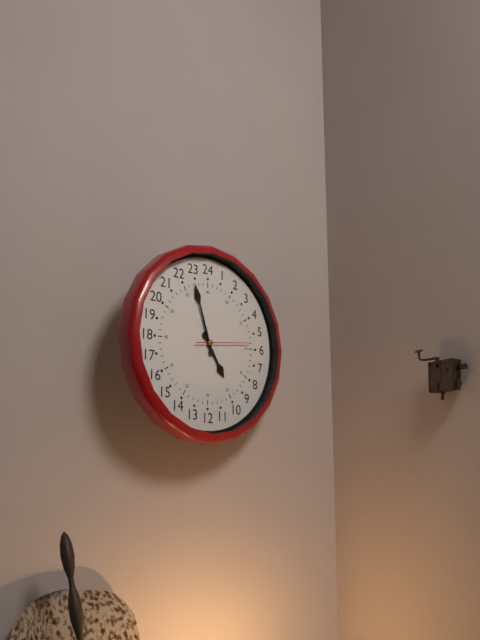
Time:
4:57:14
